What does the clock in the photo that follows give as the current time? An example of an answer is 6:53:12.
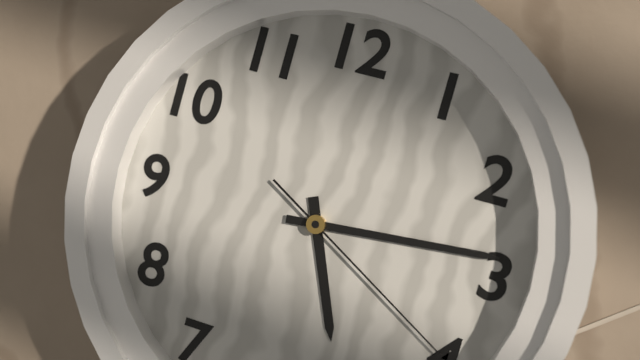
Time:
5:14:20
